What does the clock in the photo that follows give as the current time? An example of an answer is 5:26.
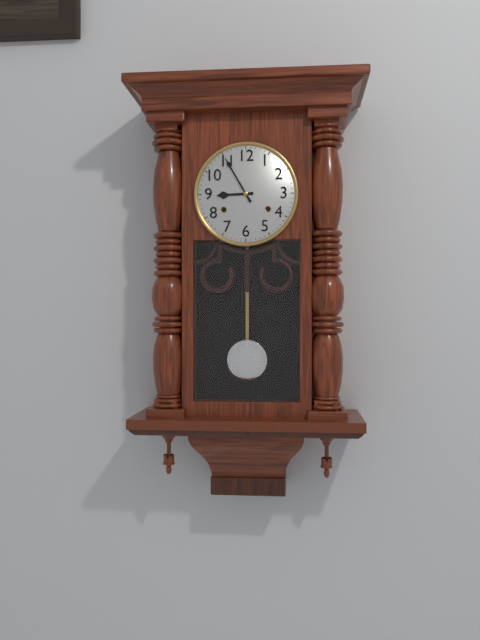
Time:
8:55
